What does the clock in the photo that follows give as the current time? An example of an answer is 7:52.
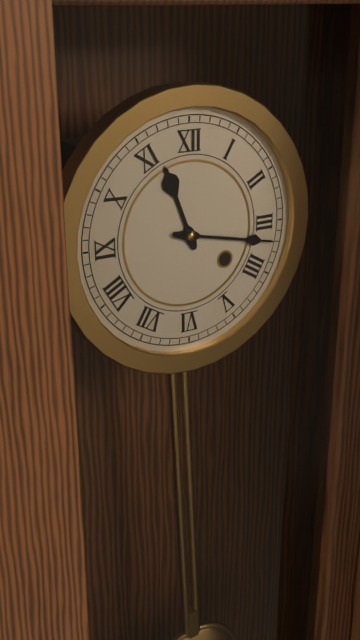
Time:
11:17
